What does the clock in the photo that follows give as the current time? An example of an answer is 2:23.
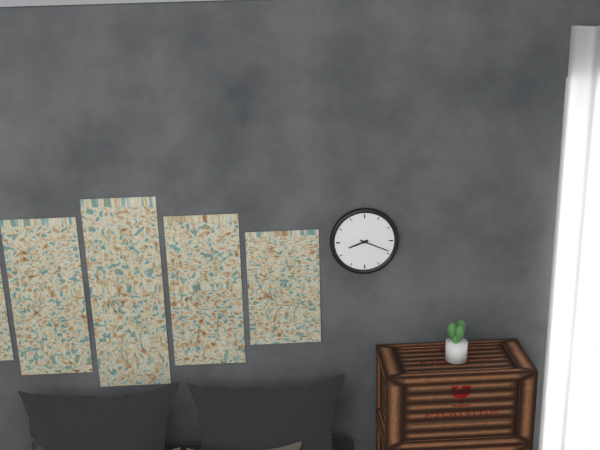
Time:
8:19
